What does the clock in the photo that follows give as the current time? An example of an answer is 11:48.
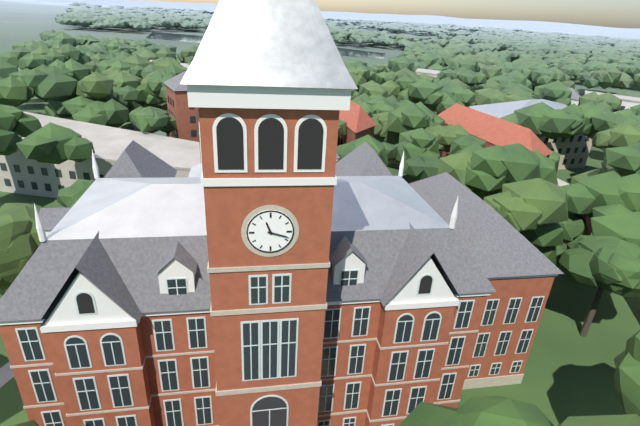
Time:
11:18
